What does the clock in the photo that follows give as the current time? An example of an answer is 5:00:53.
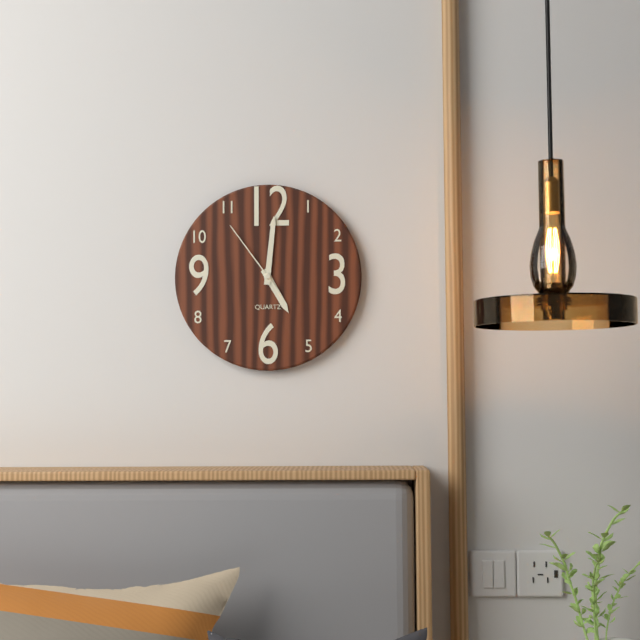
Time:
5:01:54
